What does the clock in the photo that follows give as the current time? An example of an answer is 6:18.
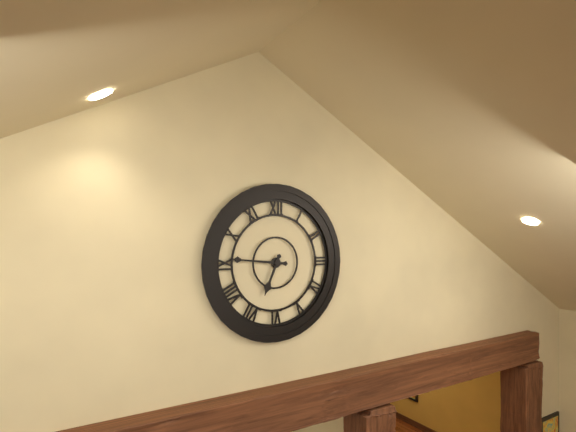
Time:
6:46
